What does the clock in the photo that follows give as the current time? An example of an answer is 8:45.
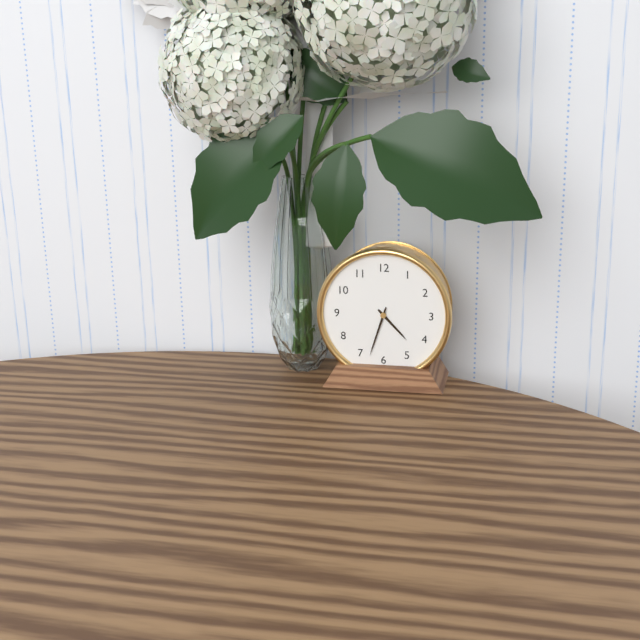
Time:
4:33
